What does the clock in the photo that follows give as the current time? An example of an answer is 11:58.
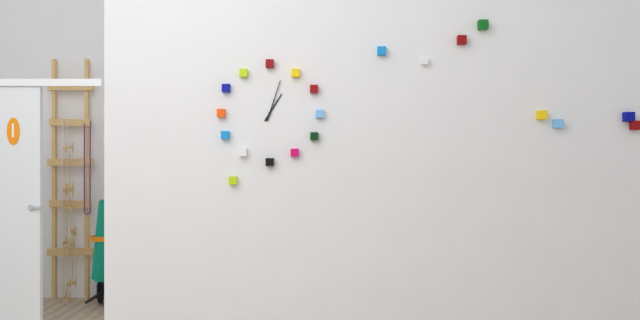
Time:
1:03
